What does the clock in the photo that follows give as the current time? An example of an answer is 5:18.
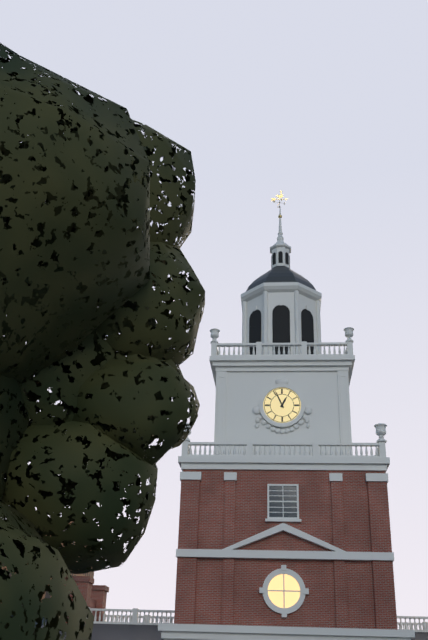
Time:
12:56
